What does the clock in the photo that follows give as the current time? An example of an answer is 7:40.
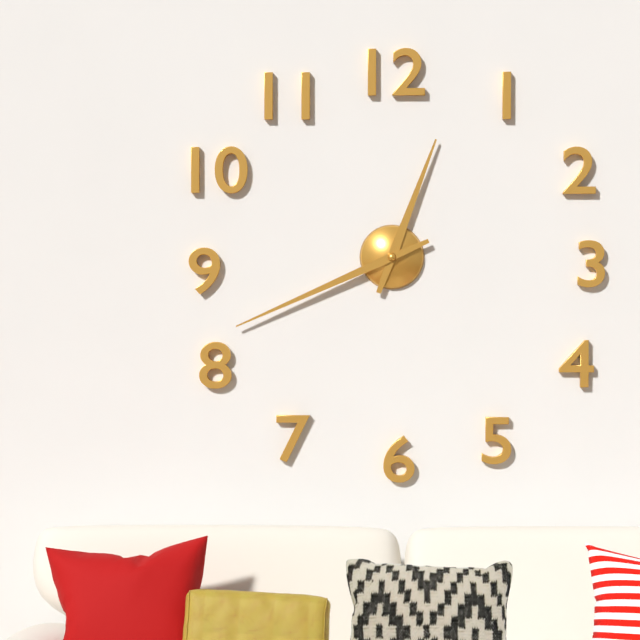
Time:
12:41
